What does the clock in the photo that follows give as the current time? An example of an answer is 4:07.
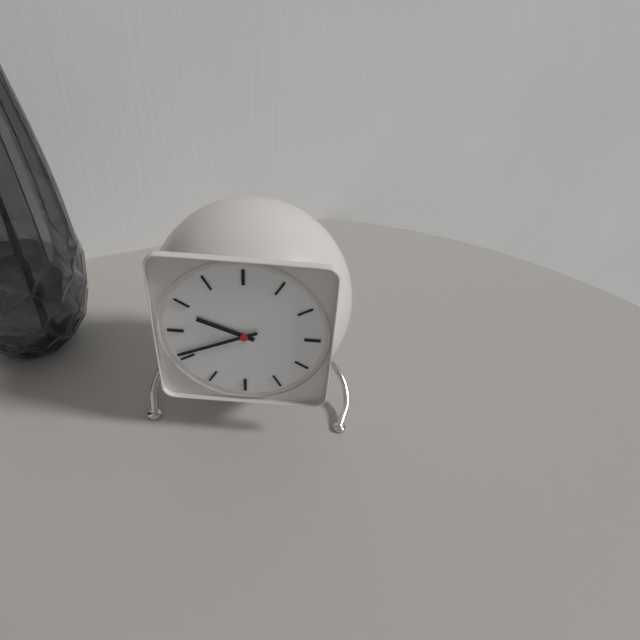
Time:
9:41
